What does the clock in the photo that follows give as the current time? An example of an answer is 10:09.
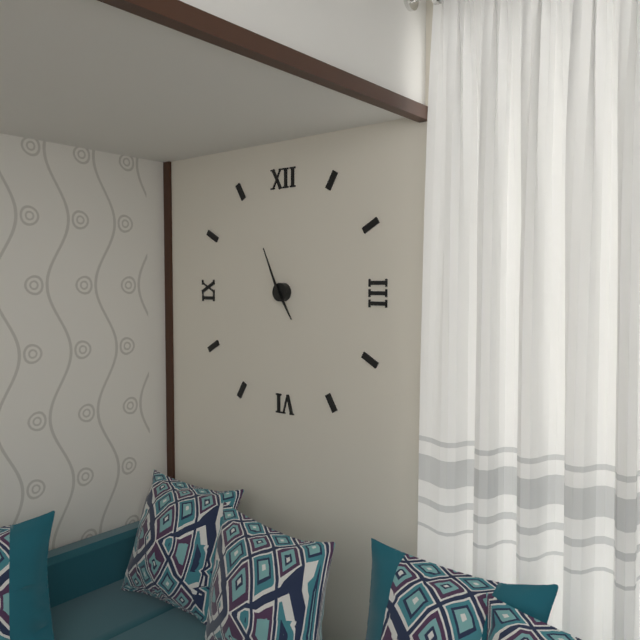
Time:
4:56
